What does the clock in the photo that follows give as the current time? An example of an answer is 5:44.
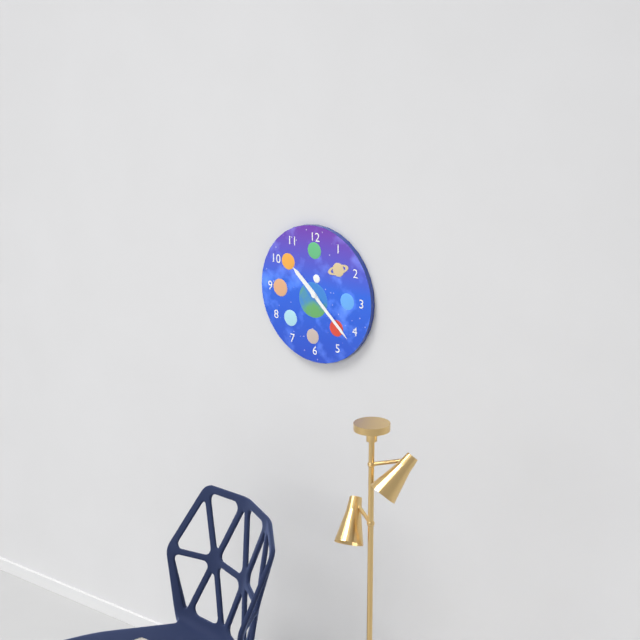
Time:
10:22
